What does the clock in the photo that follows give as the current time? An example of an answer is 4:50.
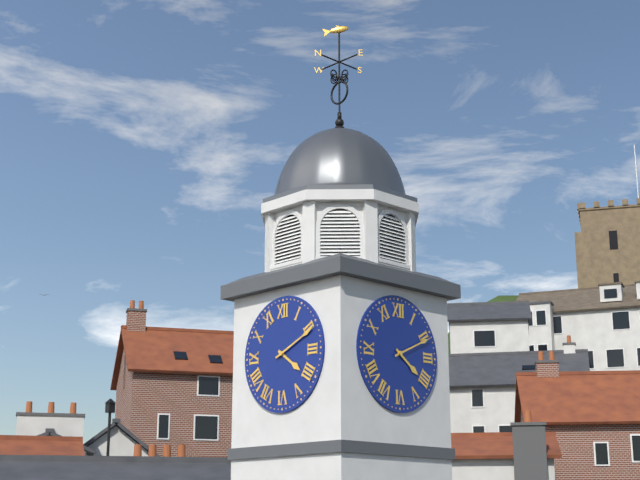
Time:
4:11
